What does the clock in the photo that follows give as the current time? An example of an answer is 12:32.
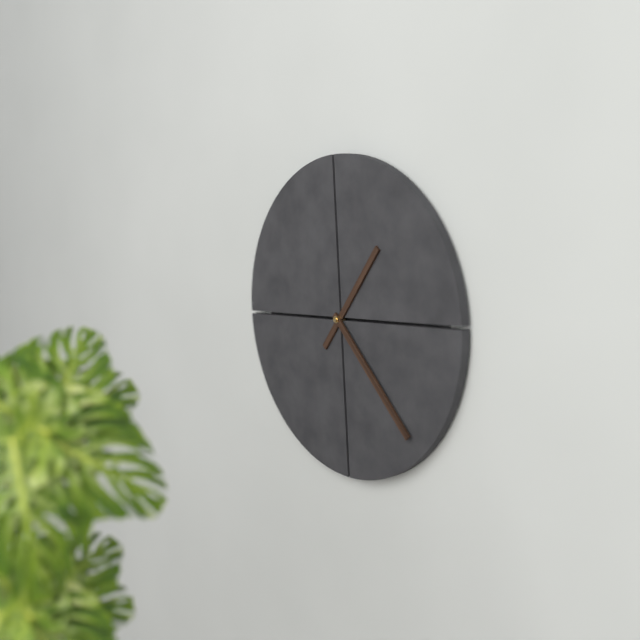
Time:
1:23
